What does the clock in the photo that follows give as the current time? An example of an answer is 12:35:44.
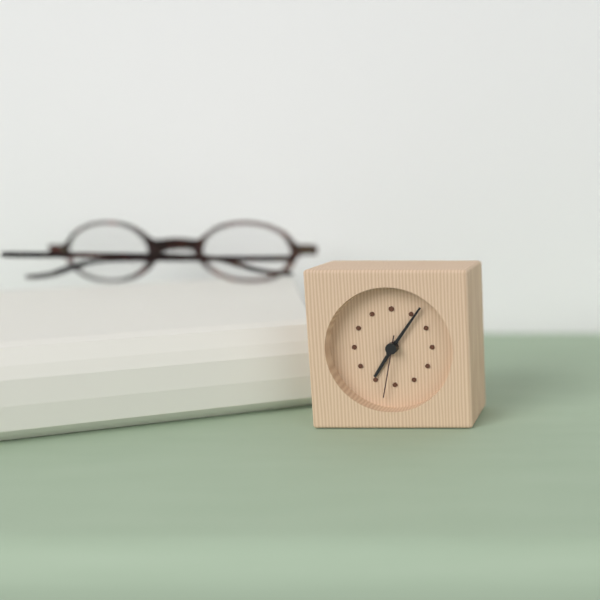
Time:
7:06:32
